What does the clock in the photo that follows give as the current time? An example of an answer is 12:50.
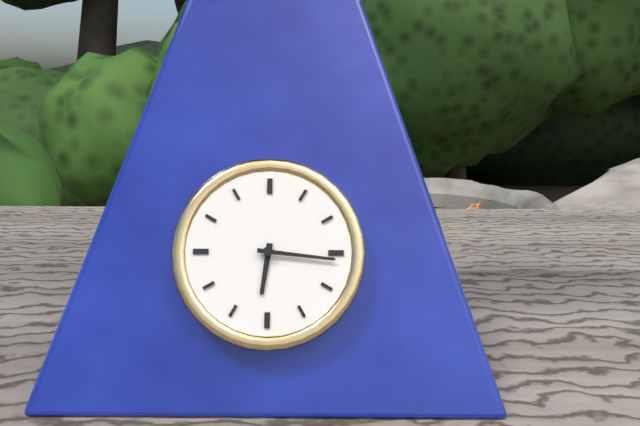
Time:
6:16
